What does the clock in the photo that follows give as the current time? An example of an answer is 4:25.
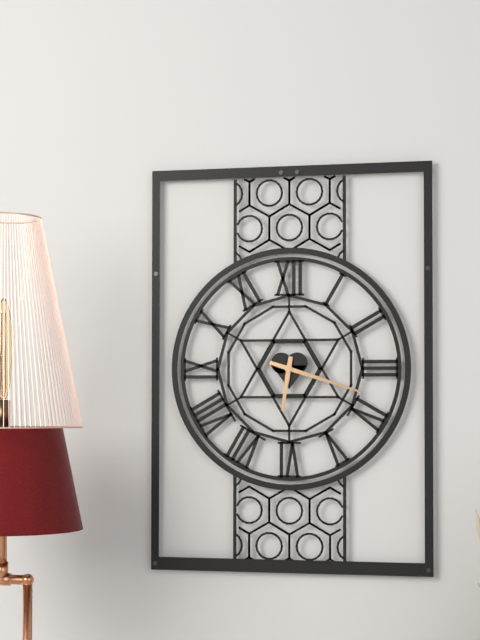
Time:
6:18
